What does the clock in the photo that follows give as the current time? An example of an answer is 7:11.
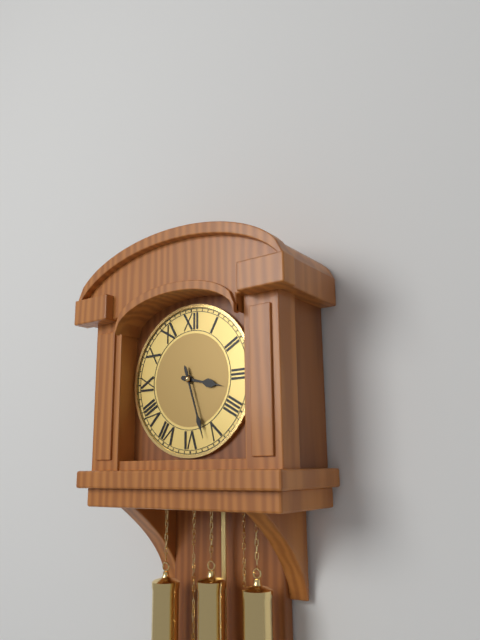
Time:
3:27
